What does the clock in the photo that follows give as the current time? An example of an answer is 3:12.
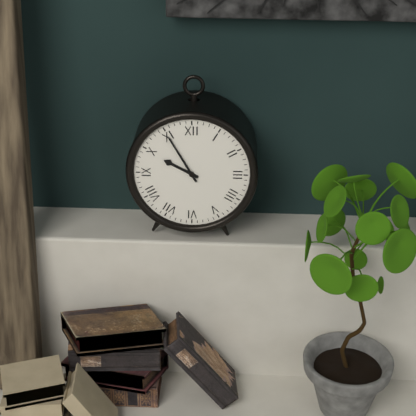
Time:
9:55
